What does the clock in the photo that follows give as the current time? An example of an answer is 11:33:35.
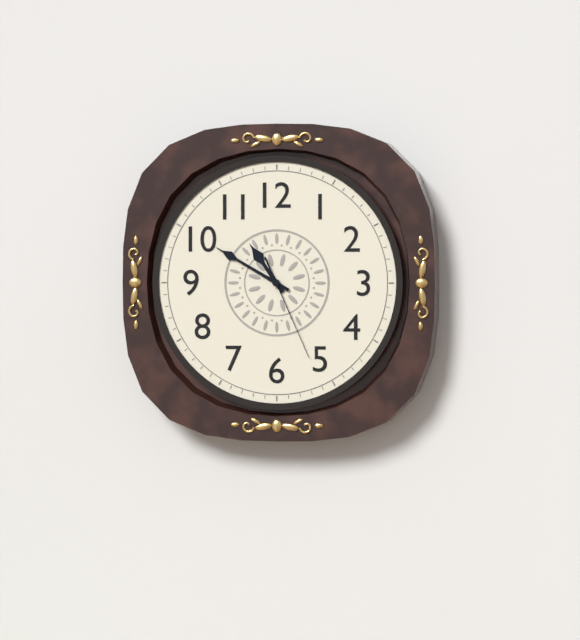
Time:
10:50:26
